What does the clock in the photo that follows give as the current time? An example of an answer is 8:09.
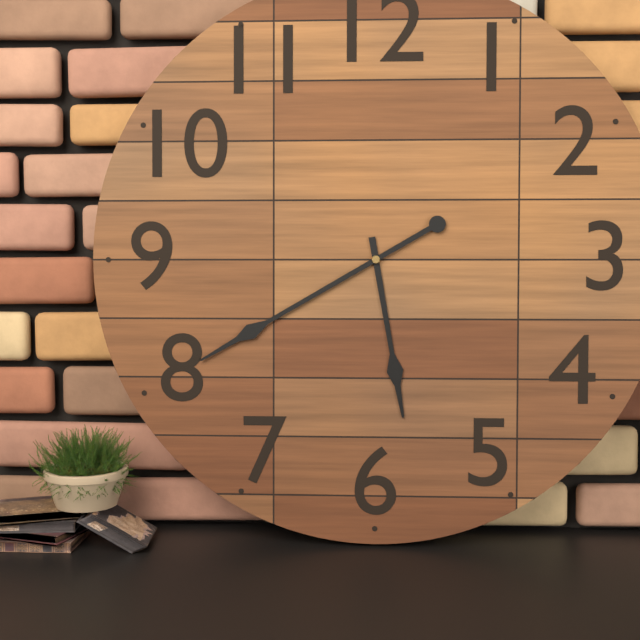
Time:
5:40
